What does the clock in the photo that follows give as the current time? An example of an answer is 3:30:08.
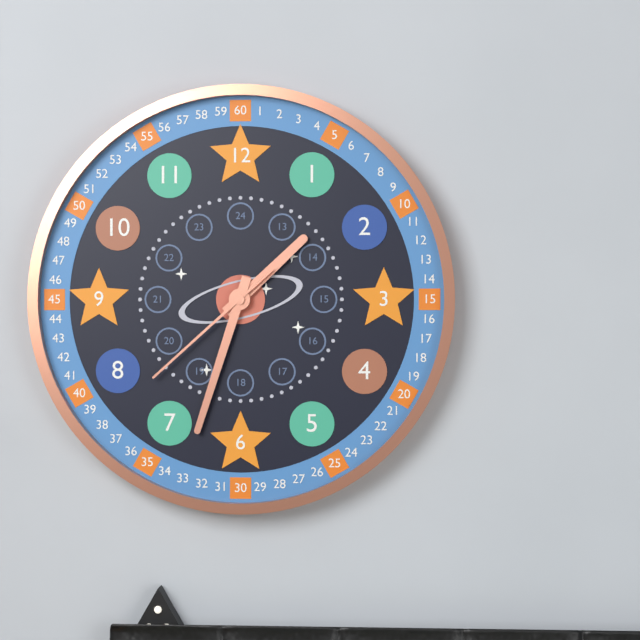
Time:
1:33:38
